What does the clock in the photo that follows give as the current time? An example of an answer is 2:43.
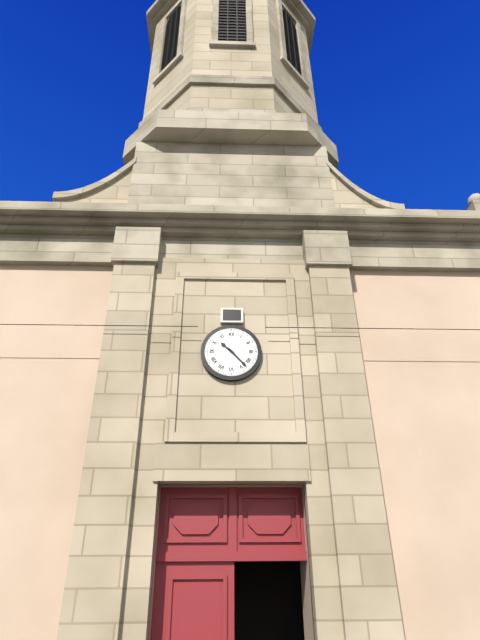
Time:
10:23
